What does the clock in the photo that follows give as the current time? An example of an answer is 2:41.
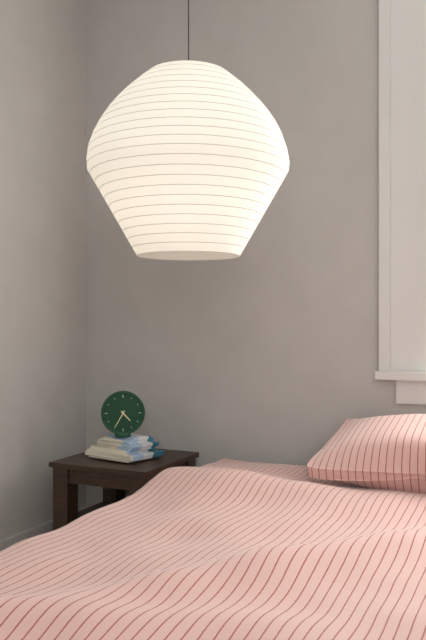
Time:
4:35
